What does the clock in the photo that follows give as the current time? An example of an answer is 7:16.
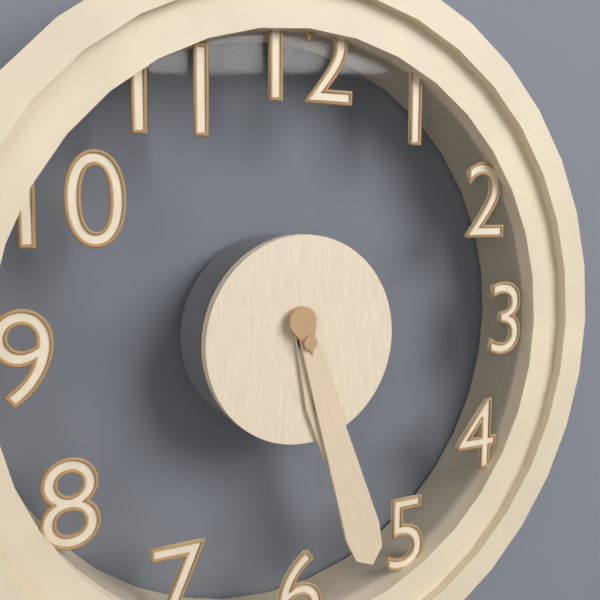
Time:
5:27
